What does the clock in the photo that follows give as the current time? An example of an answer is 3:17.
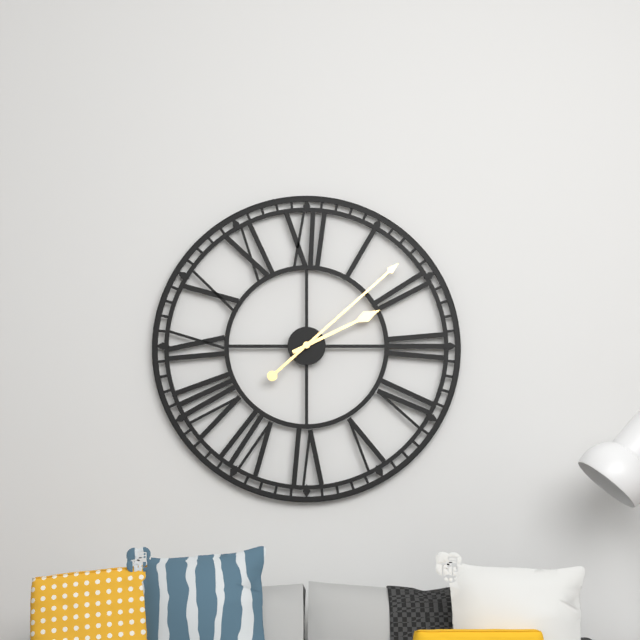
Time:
2:08
